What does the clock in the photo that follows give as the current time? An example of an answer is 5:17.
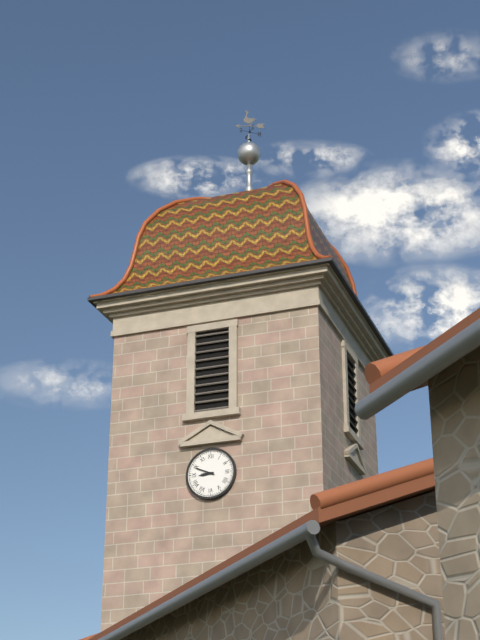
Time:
8:49
